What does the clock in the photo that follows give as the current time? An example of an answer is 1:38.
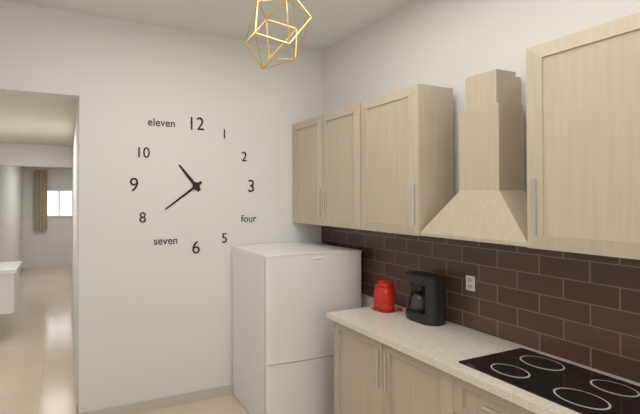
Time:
10:39
